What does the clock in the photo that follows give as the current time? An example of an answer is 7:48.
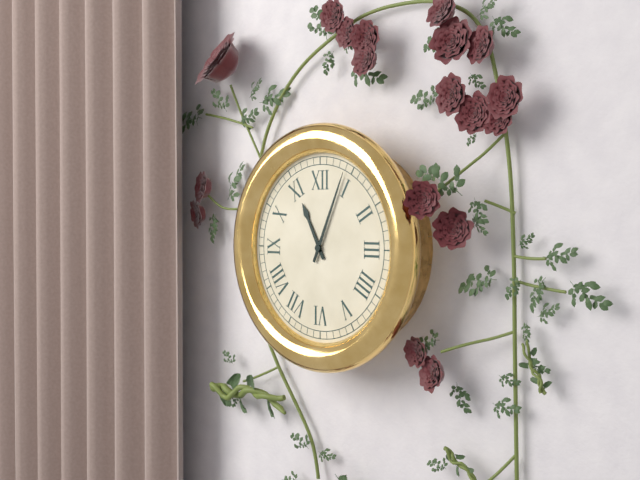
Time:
11:04
